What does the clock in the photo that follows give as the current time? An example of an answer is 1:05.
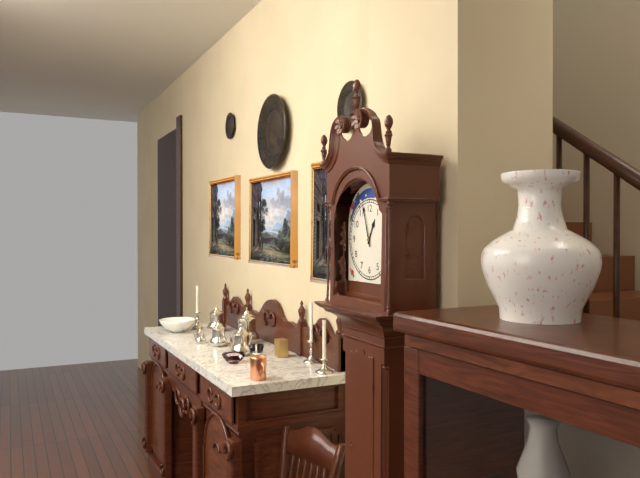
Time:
12:57
